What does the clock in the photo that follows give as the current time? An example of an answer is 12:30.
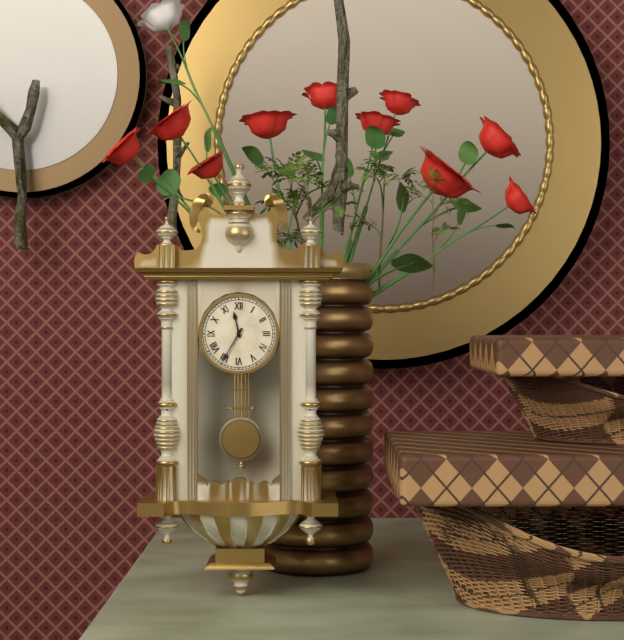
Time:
11:35
